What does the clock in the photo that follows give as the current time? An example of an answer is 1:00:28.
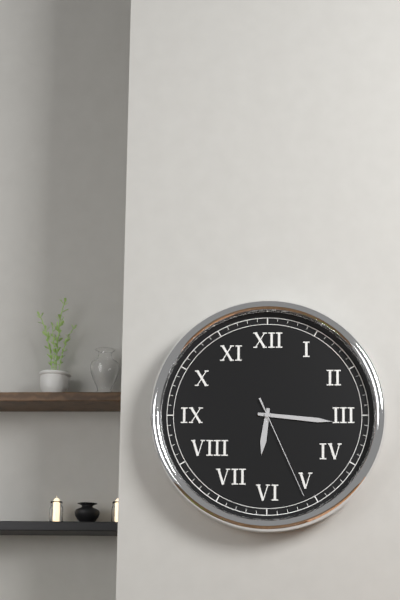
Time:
6:16:26
